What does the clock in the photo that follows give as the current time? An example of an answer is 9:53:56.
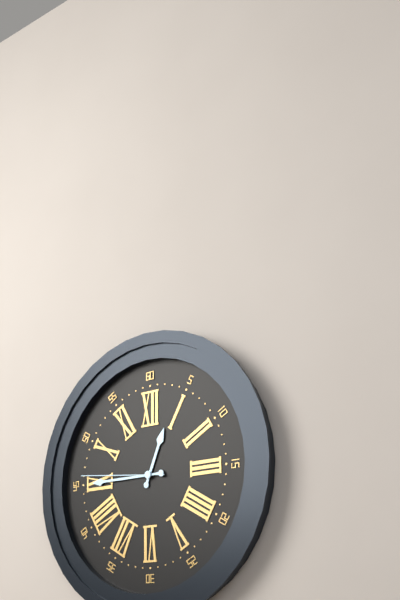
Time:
12:45:46
